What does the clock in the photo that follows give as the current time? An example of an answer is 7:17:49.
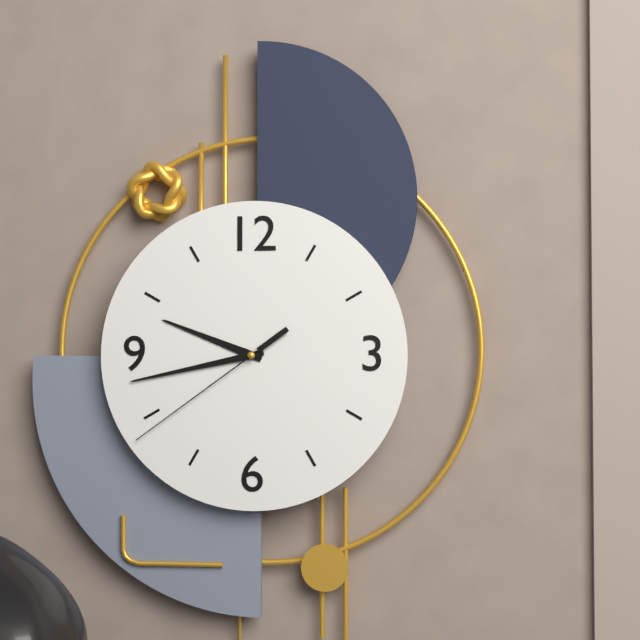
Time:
9:43:39
